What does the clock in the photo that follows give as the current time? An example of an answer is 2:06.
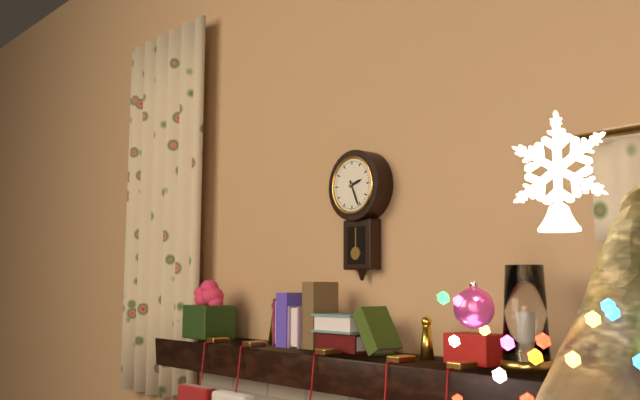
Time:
2:26
